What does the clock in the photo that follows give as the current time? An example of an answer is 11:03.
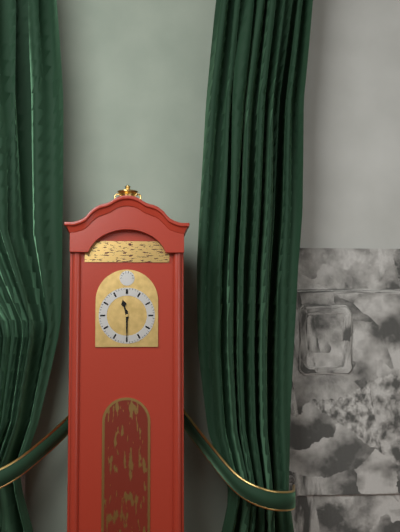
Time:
11:30
